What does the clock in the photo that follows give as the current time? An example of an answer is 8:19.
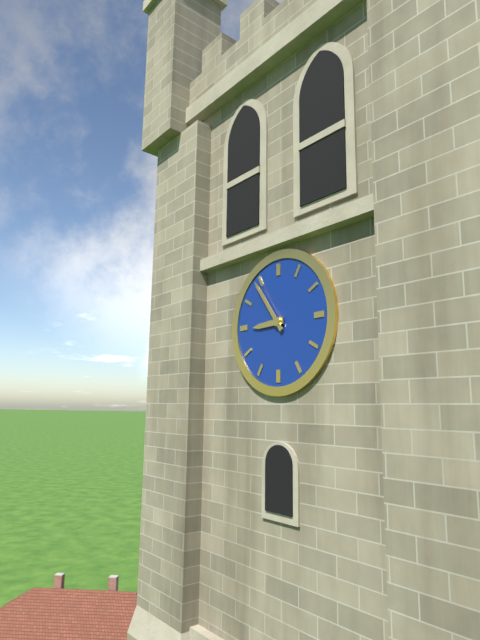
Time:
8:54
